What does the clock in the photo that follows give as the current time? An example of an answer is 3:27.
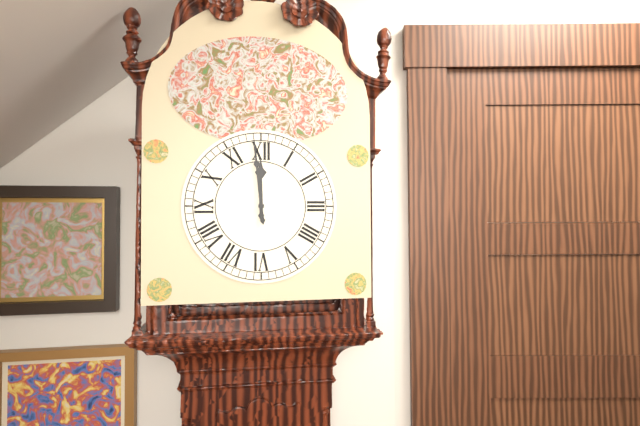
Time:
11:59
